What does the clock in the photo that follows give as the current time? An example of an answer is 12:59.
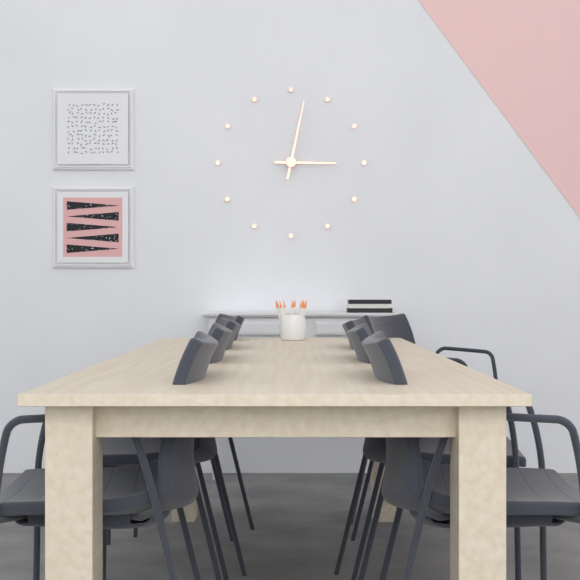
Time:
3:02
